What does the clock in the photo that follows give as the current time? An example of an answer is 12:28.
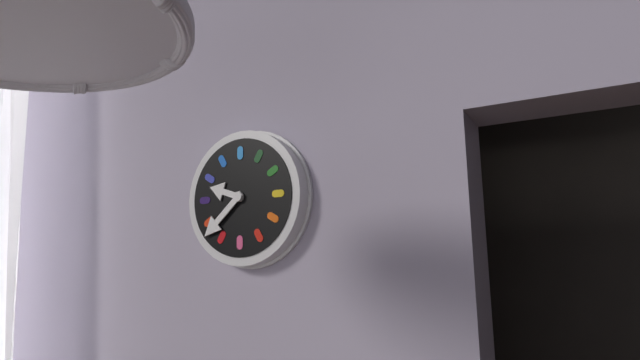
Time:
9:38
